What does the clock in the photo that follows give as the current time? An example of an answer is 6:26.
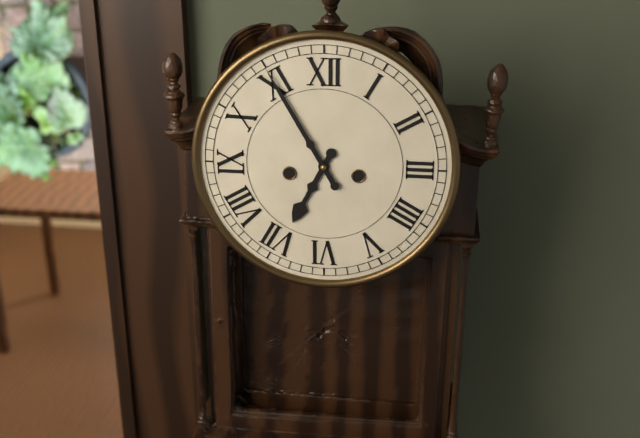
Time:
6:55
